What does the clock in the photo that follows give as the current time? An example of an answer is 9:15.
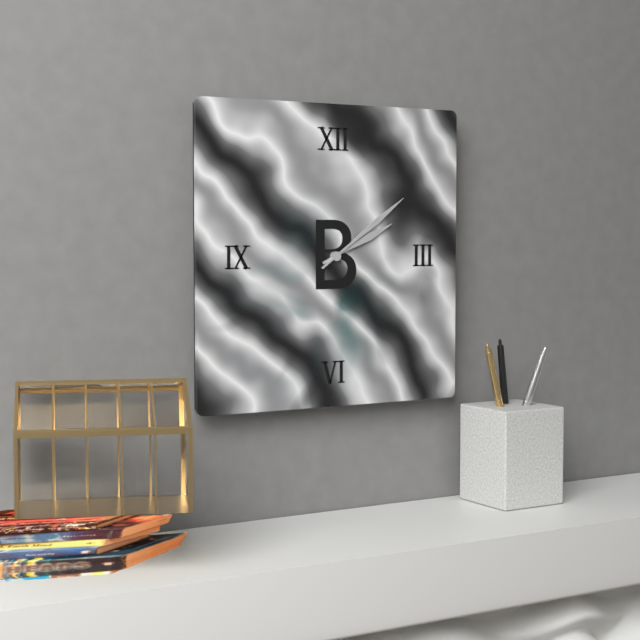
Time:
2:09
